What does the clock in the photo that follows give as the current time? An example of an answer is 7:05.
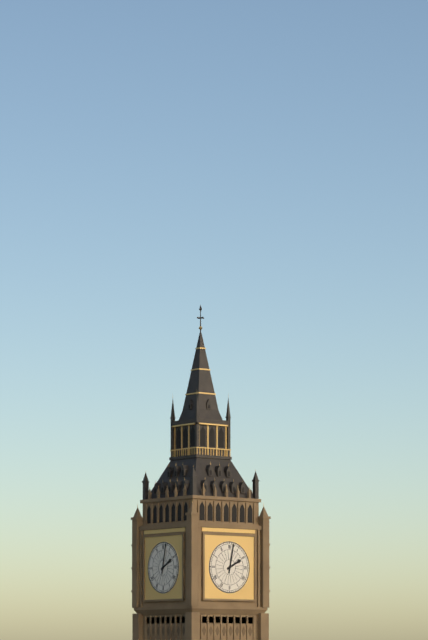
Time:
2:02
